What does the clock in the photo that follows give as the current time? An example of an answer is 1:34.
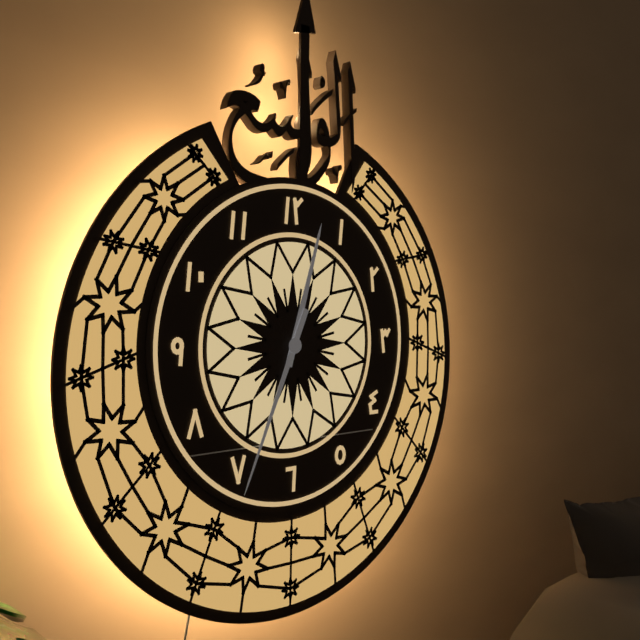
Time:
12:34
